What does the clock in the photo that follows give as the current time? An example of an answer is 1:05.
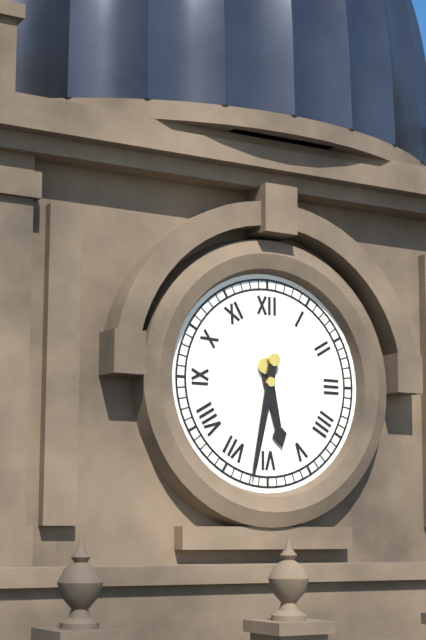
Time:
5:32
